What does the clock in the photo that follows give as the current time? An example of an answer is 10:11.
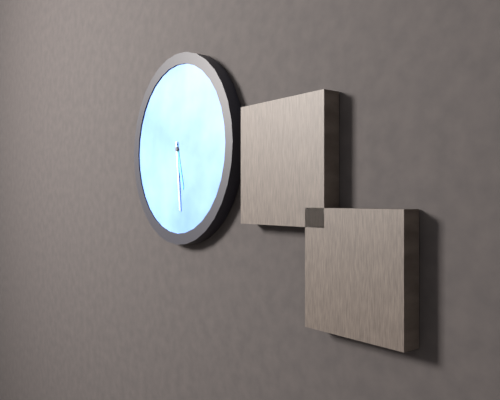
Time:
5:29
